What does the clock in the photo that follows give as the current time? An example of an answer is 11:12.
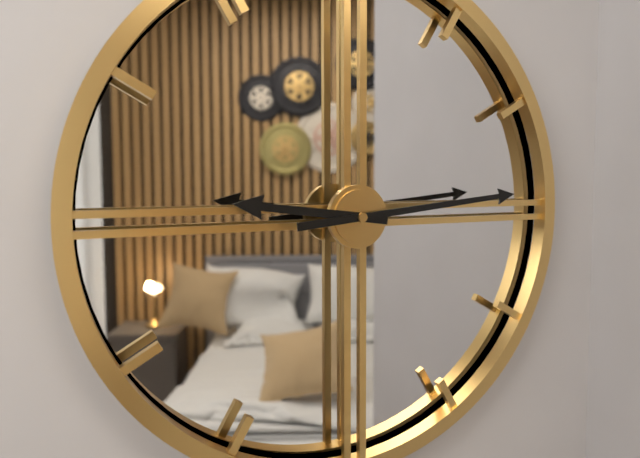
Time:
9:14
